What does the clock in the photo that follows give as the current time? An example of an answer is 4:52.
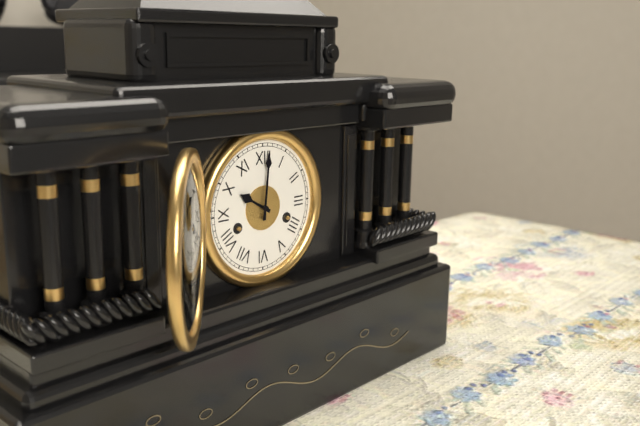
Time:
10:01
